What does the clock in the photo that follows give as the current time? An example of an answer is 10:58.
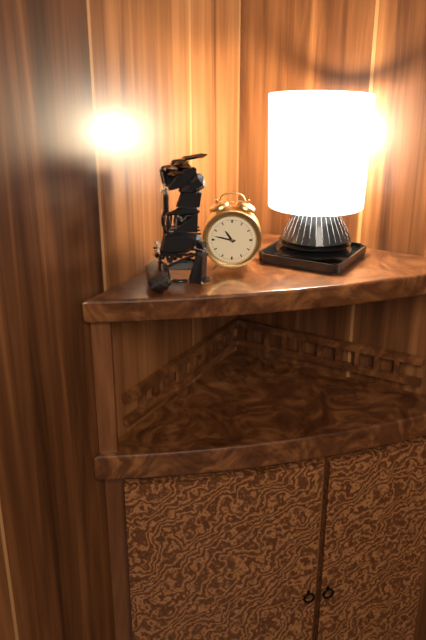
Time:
10:47
